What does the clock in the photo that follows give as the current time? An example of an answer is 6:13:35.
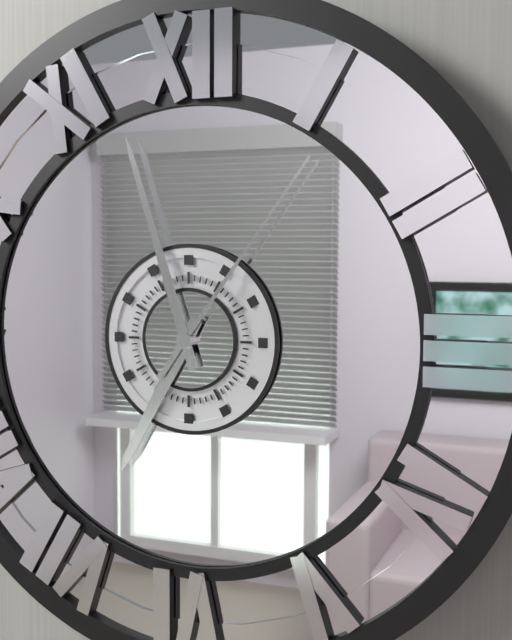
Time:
6:57:06
